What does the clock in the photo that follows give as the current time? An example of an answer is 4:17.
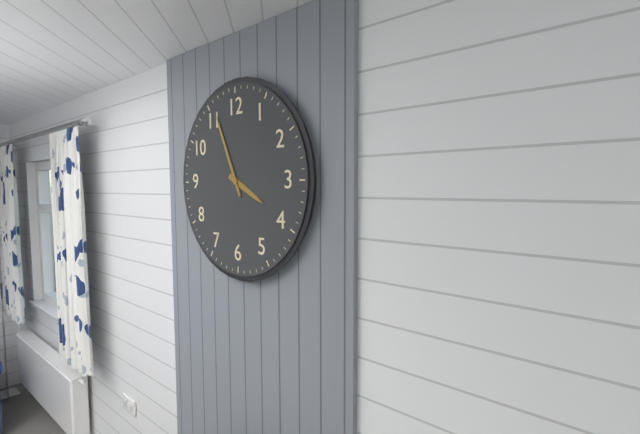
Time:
3:56
